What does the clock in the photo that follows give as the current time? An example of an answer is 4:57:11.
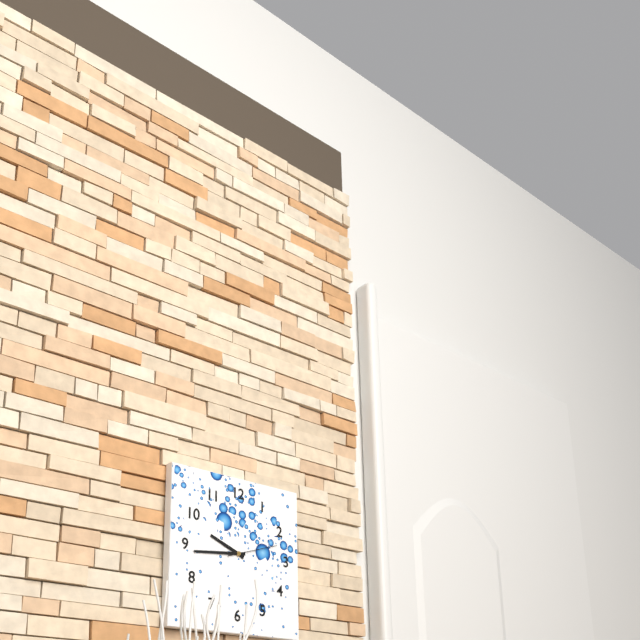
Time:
9:44:12
